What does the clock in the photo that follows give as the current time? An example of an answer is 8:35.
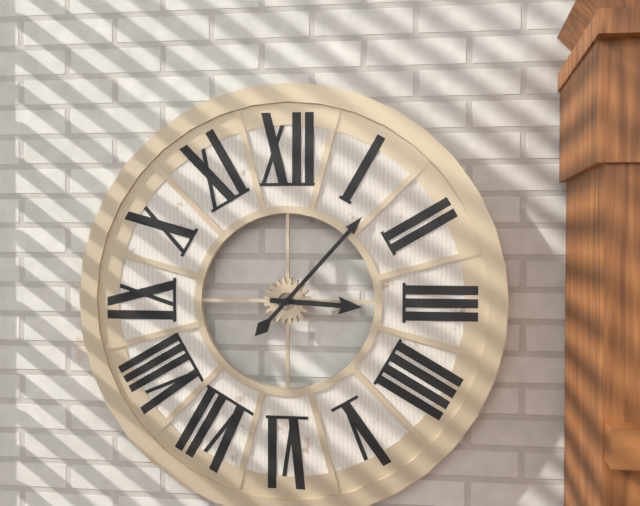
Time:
3:07
